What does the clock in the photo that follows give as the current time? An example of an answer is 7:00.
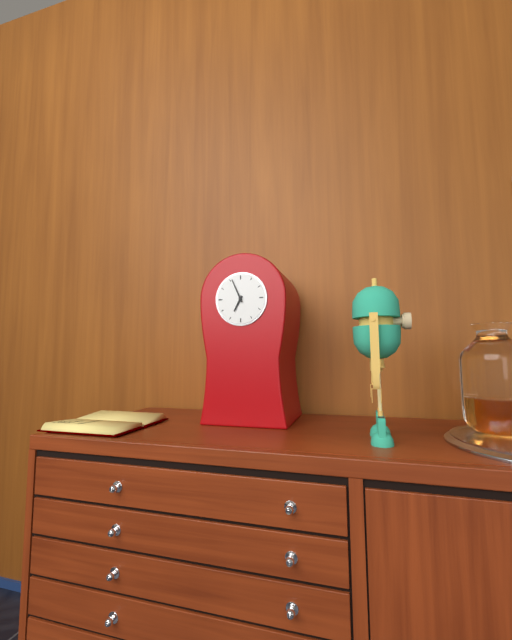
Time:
6:56
